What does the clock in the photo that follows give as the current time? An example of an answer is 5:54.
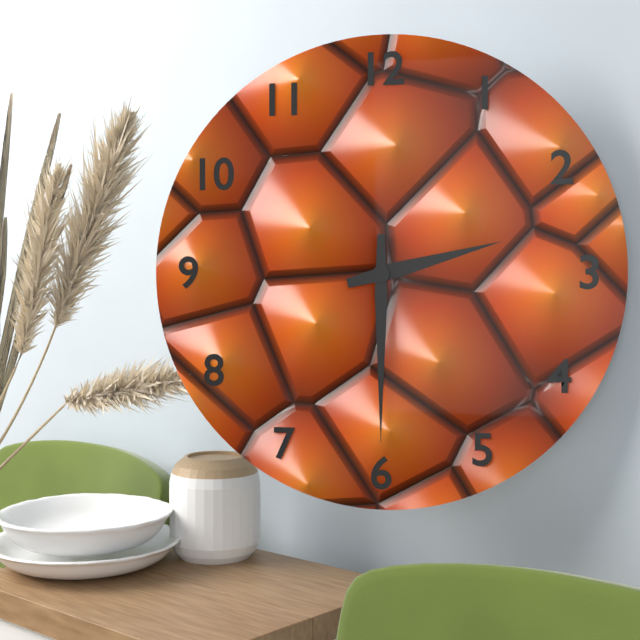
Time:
2:30
